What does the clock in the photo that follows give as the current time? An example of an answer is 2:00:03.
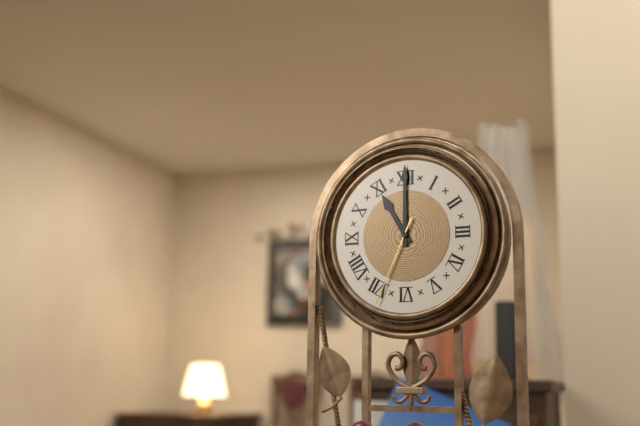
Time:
11:00:34
